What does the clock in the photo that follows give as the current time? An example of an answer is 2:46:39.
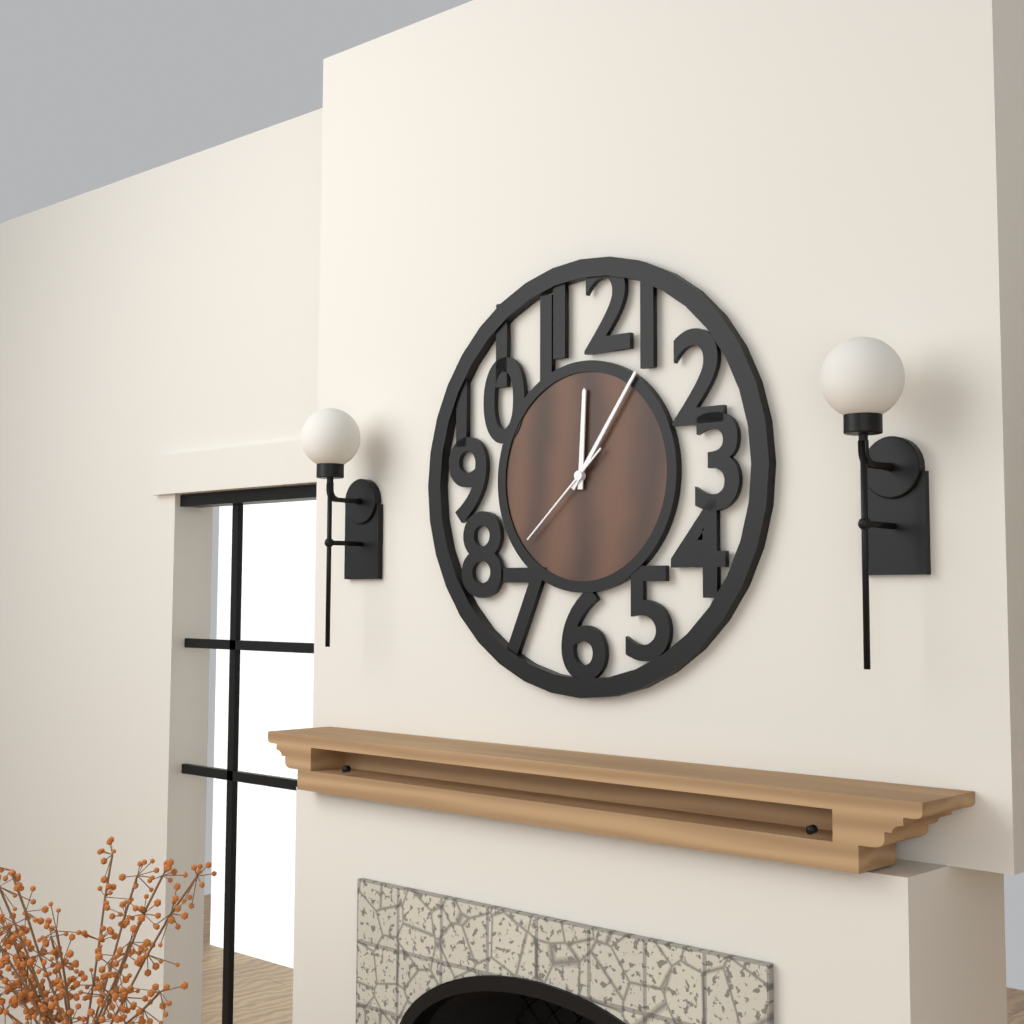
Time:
12:06:38
